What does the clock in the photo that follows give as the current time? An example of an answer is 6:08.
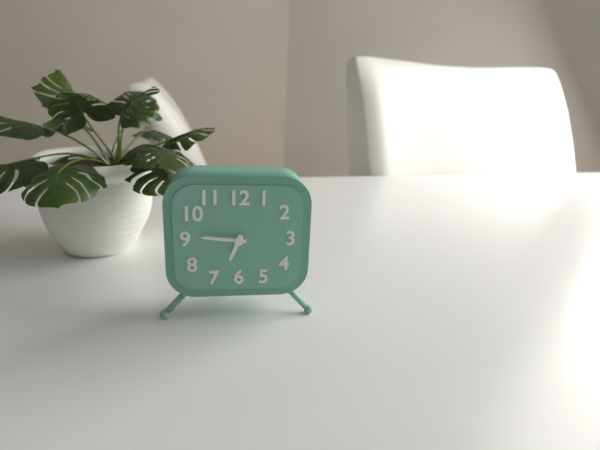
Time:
6:46
